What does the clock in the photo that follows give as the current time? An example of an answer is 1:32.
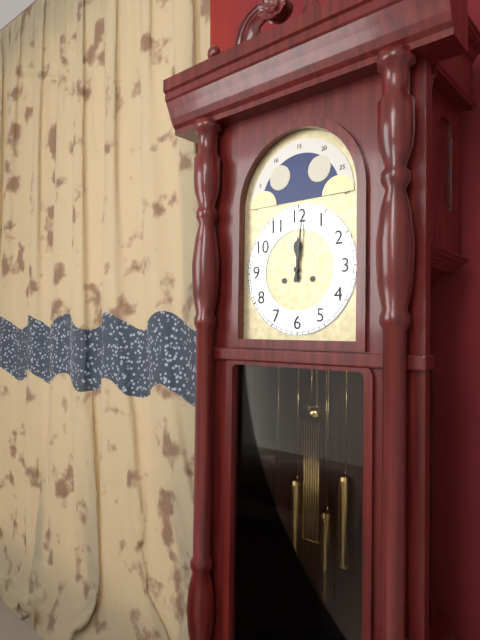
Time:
12:01
